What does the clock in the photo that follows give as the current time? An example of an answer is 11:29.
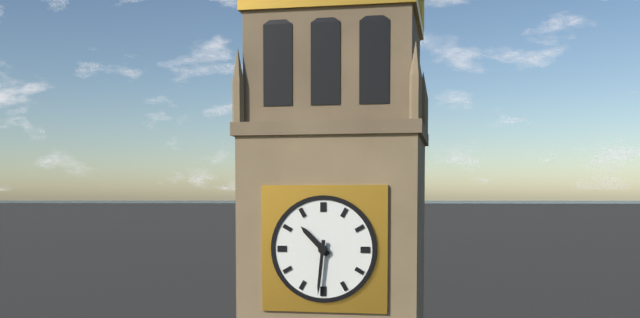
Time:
10:31
